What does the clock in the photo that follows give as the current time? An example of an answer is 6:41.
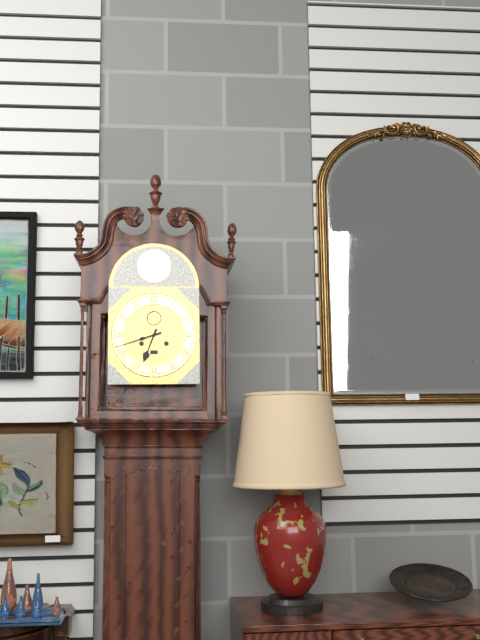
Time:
6:42
